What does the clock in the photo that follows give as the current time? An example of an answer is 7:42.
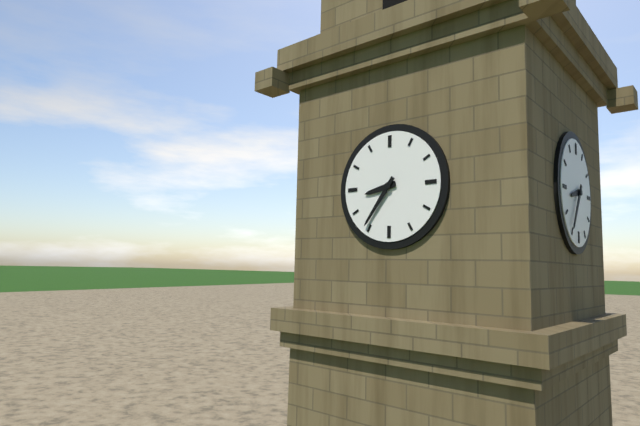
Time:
8:36
